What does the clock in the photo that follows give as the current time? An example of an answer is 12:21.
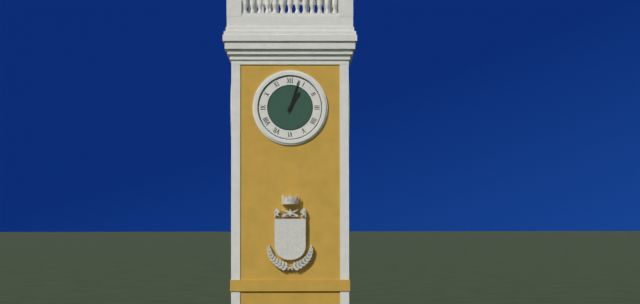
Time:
1:03
